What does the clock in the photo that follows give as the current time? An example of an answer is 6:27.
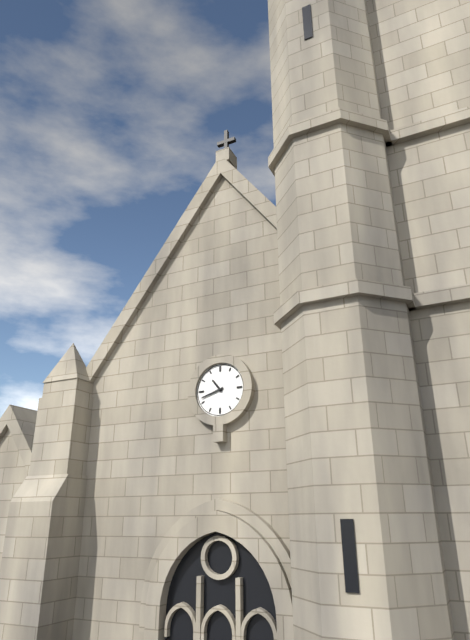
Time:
10:42
